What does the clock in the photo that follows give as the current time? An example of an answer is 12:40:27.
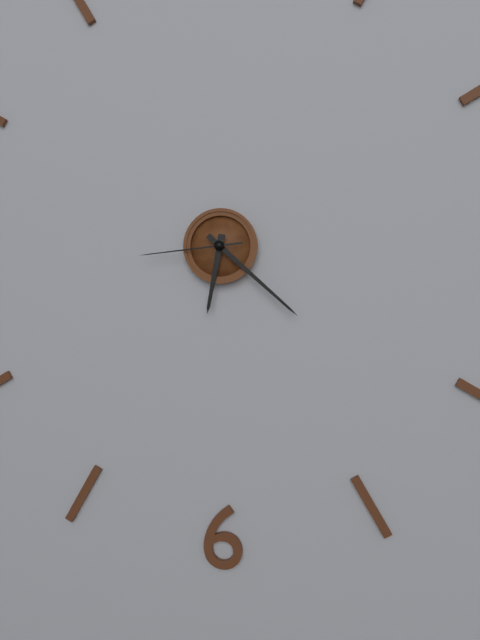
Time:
6:22:44
